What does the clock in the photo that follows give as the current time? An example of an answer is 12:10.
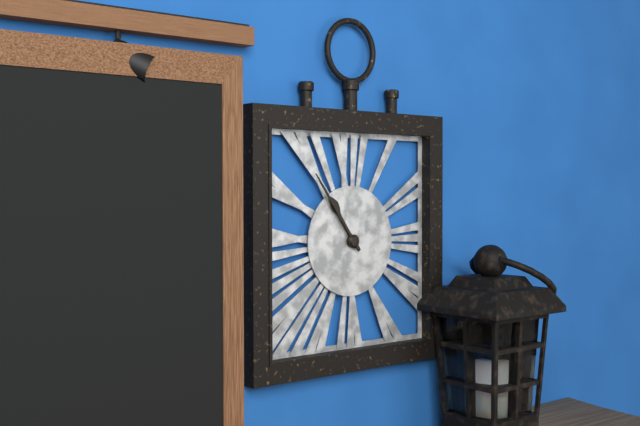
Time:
10:54
